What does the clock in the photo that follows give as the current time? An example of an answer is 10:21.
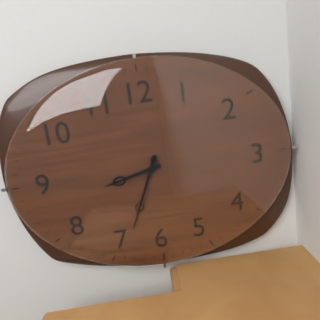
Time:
8:34
